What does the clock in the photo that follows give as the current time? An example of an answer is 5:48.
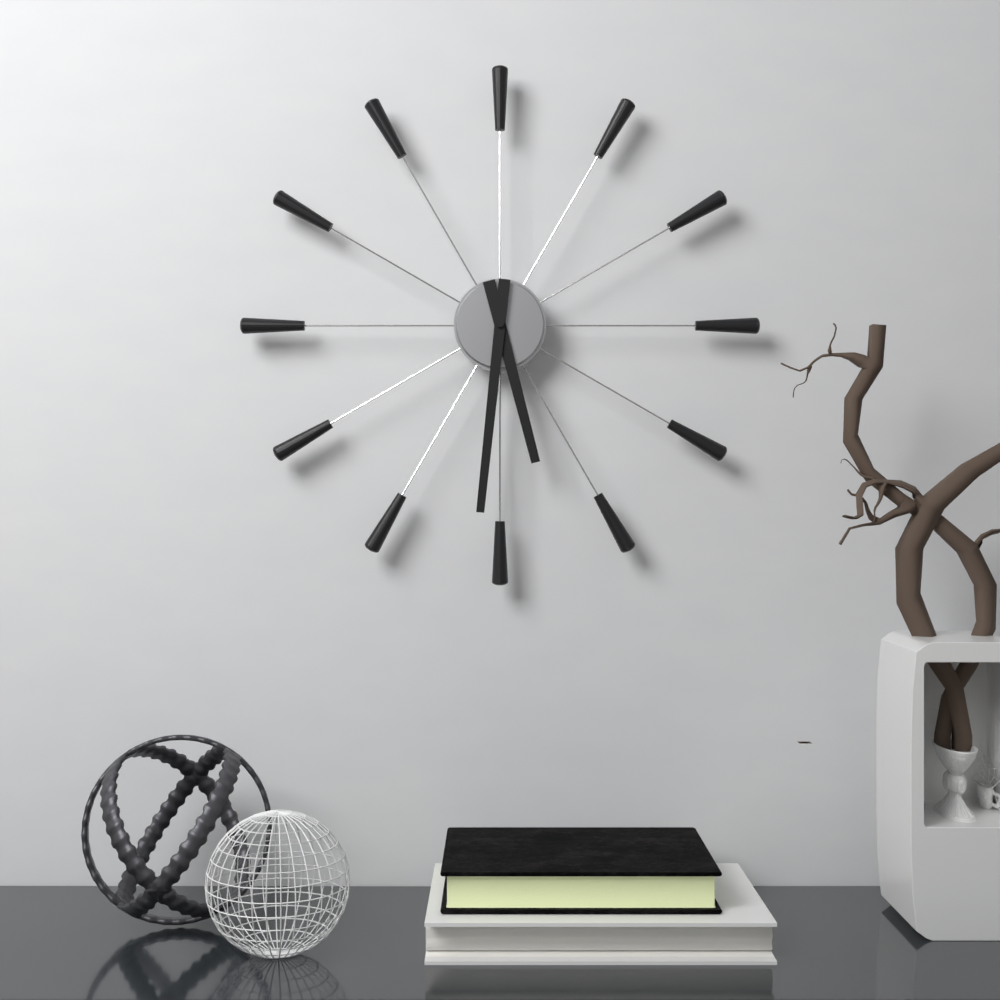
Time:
5:31
